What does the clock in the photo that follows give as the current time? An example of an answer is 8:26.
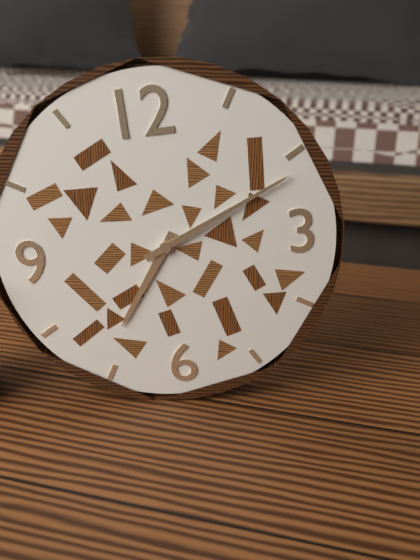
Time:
7:11
